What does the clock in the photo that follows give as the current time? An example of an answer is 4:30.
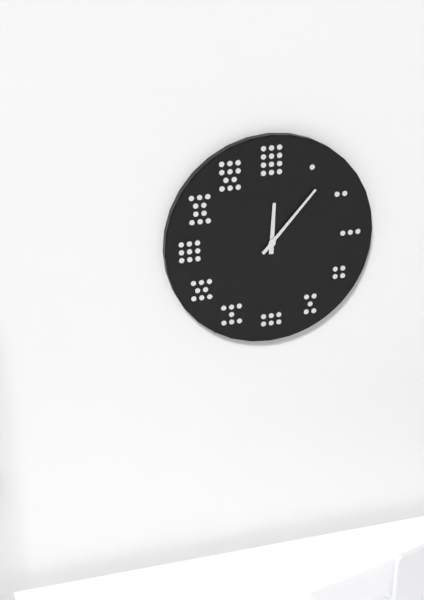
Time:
12:07
